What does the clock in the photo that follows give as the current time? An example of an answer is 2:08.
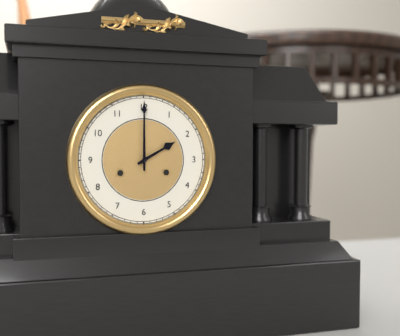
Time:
2:00
